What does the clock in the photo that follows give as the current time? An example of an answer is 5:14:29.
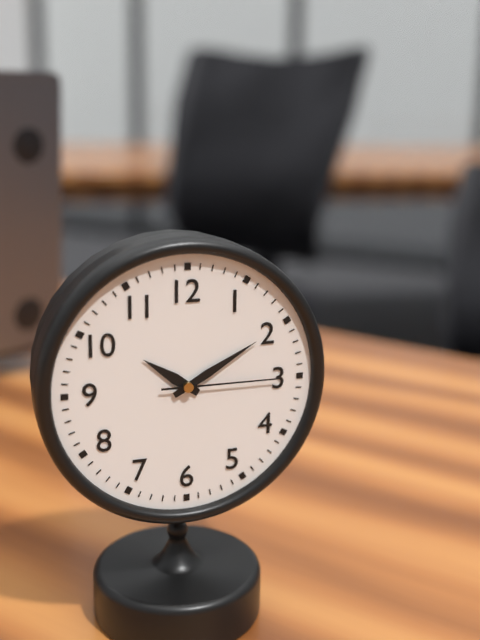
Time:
10:10:15
